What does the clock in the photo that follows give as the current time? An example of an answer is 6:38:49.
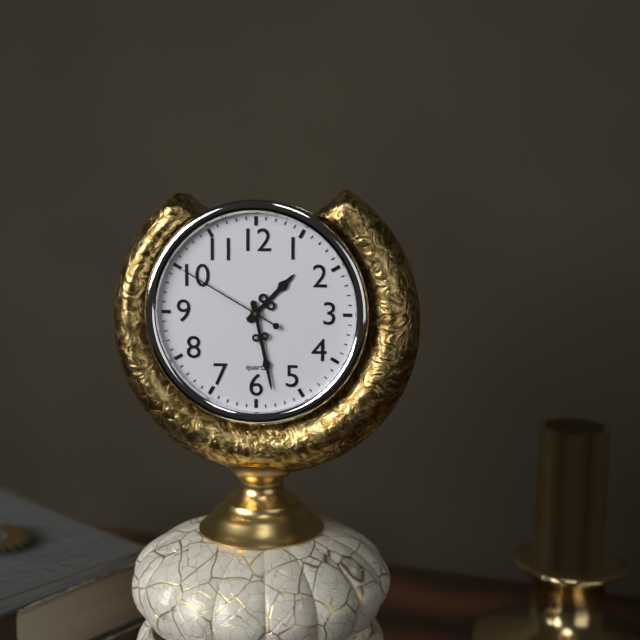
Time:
1:28:50
